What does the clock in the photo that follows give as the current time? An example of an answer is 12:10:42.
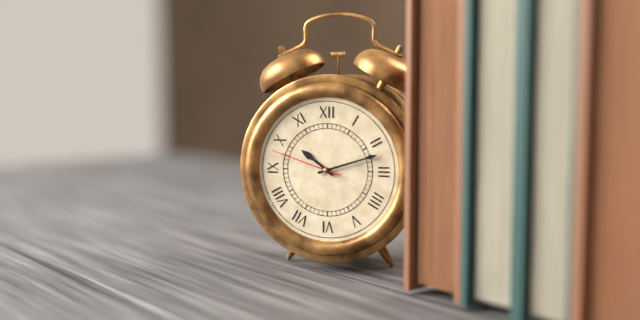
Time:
10:12:48
